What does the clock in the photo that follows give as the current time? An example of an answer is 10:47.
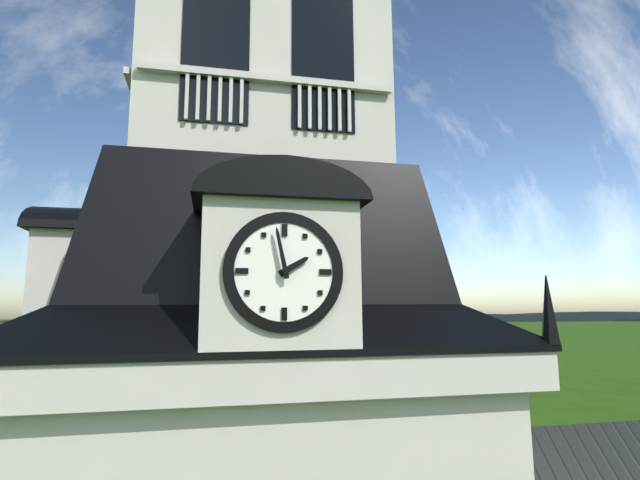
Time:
1:58
